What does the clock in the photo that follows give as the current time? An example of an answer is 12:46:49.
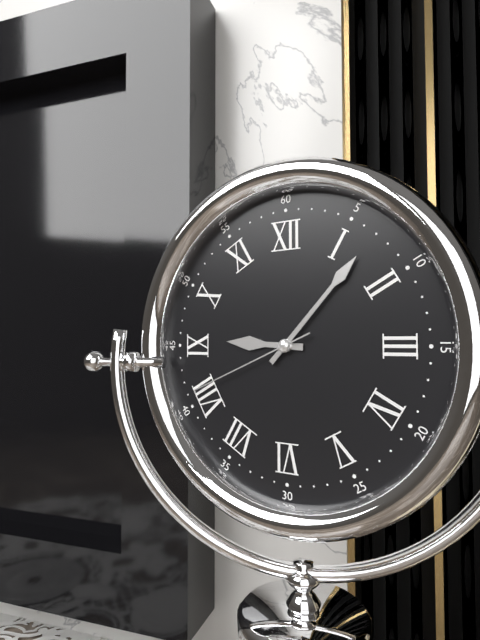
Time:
9:07:41
